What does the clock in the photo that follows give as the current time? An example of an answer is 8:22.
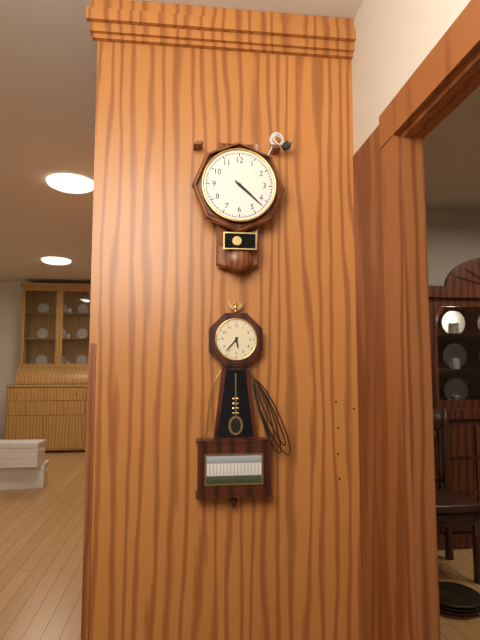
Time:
4:22
